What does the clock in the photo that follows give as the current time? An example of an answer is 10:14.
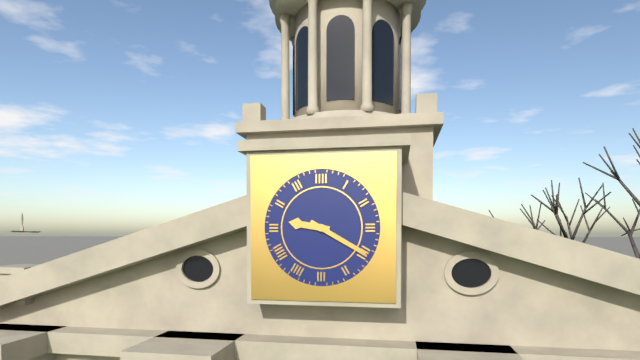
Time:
9:20
